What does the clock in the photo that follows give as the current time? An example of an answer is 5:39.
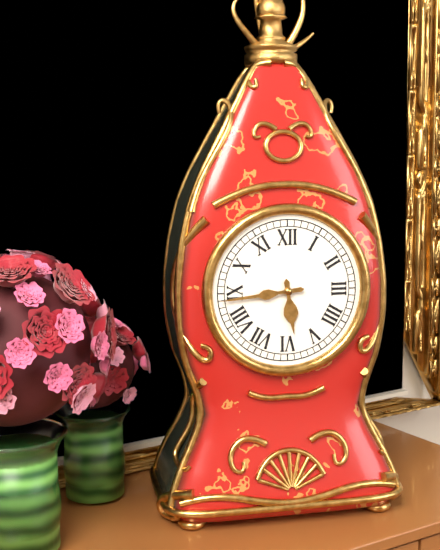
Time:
5:44
